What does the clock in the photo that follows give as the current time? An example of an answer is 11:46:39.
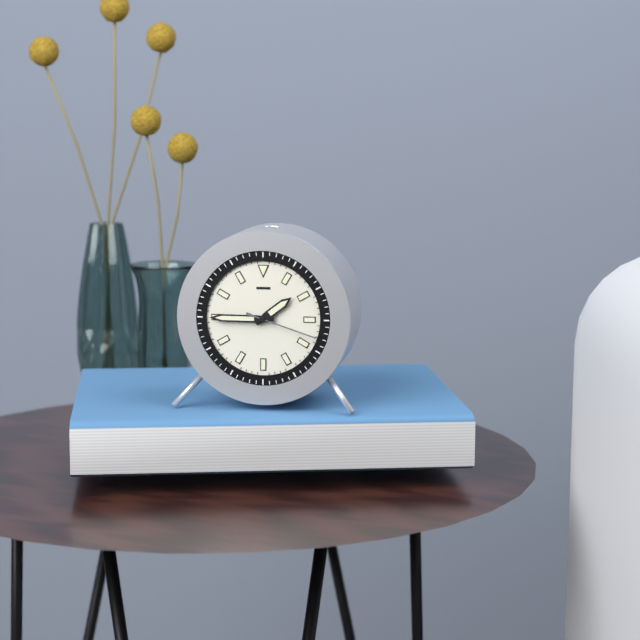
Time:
1:45:18
